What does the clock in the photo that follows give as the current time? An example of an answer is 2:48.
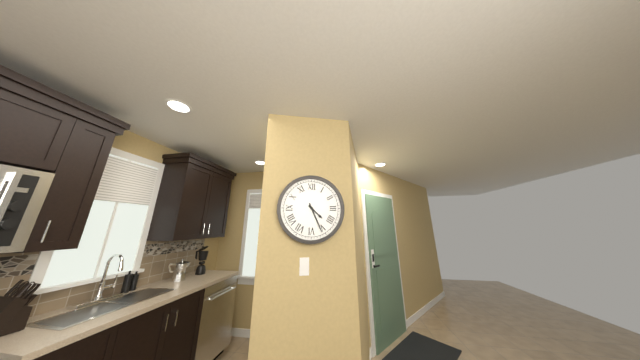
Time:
4:26
